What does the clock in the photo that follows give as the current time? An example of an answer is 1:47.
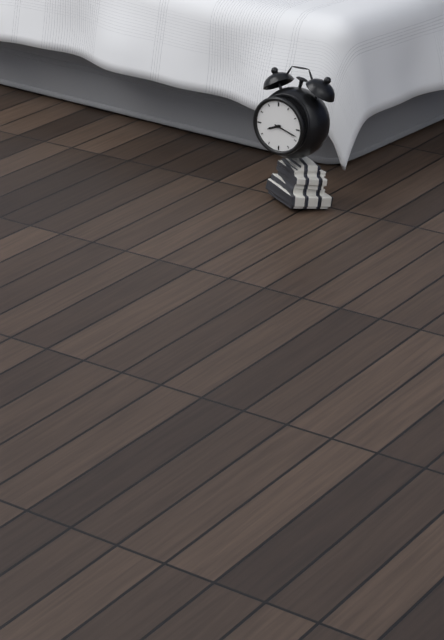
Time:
8:18
